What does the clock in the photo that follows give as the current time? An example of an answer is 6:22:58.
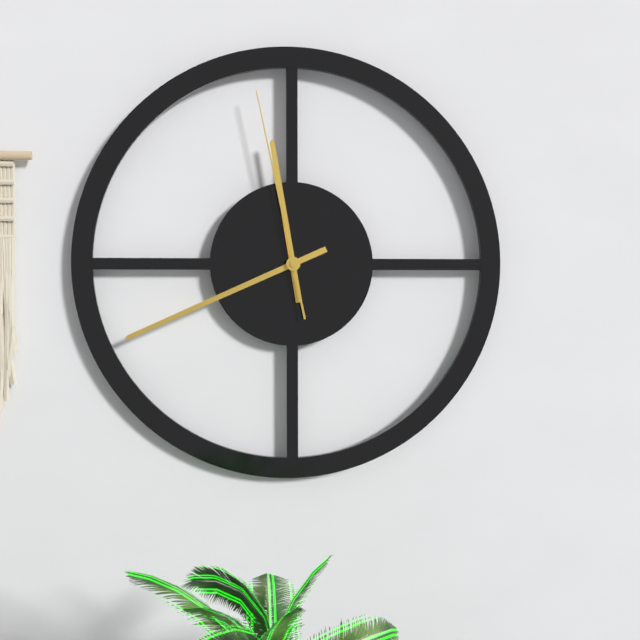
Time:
11:41:58
